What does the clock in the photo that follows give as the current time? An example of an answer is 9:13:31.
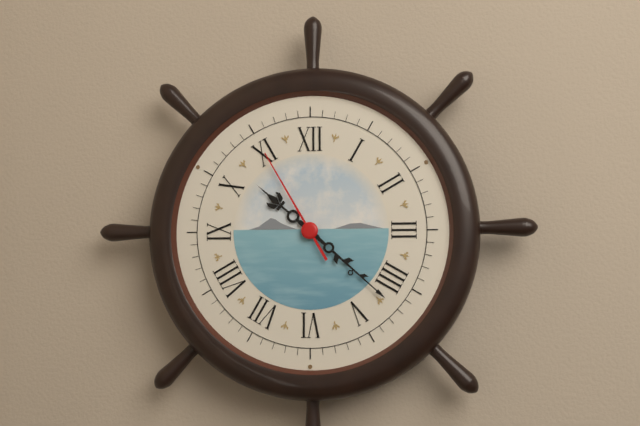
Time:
10:22:55
